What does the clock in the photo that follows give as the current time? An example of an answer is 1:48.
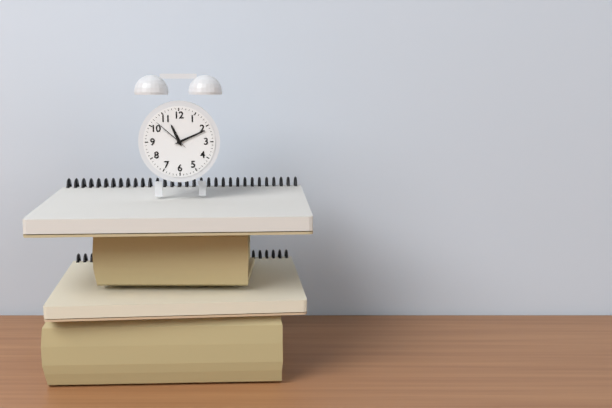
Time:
11:11
